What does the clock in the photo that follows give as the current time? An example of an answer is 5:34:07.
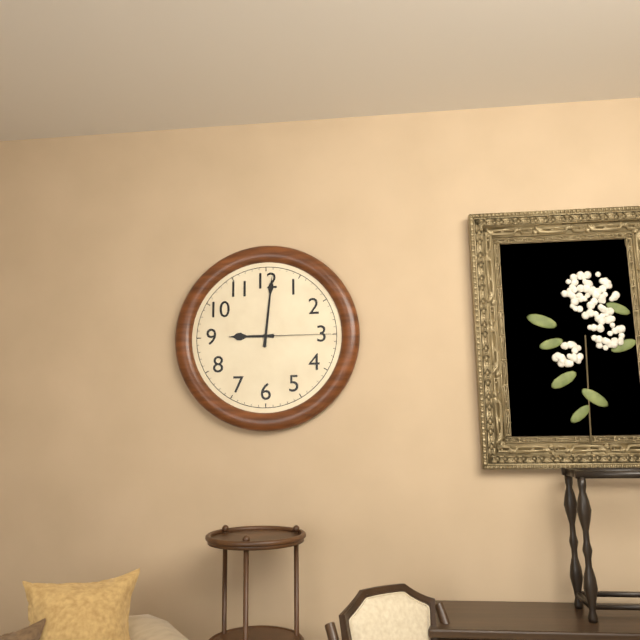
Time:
9:01:15
